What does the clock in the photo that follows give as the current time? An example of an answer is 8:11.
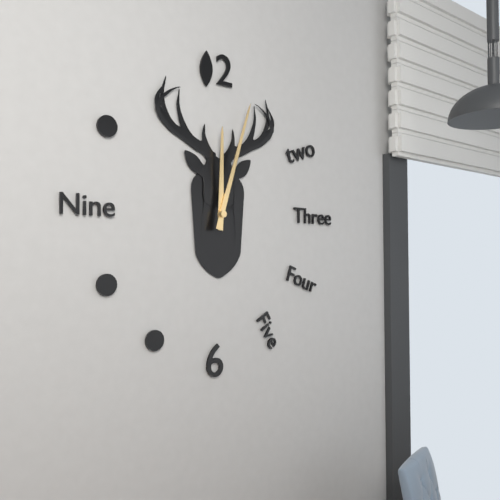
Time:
12:03
